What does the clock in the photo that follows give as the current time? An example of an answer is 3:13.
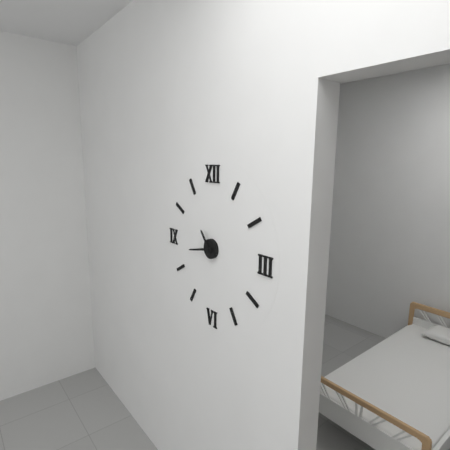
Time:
10:43
